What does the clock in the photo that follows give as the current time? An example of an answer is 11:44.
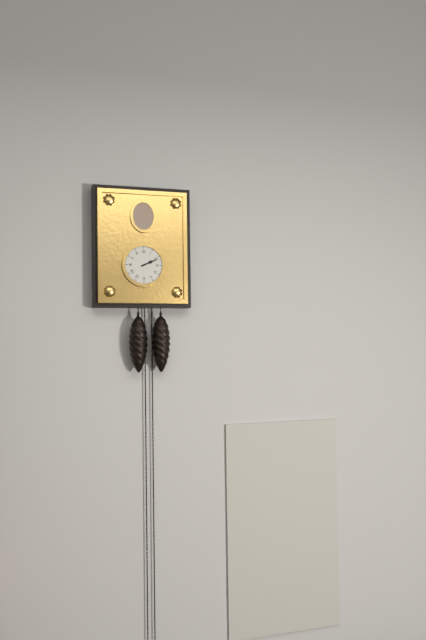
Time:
2:11
